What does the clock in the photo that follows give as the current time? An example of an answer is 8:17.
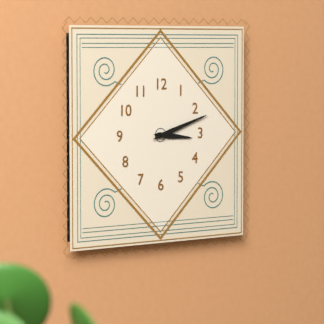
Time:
3:12
